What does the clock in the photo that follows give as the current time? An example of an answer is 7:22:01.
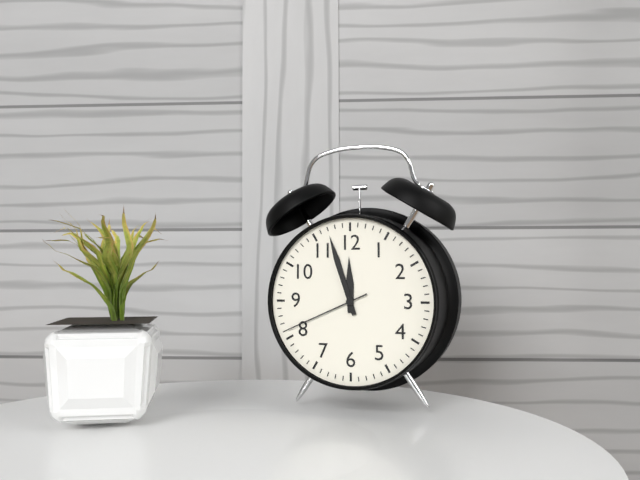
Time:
11:57:41
